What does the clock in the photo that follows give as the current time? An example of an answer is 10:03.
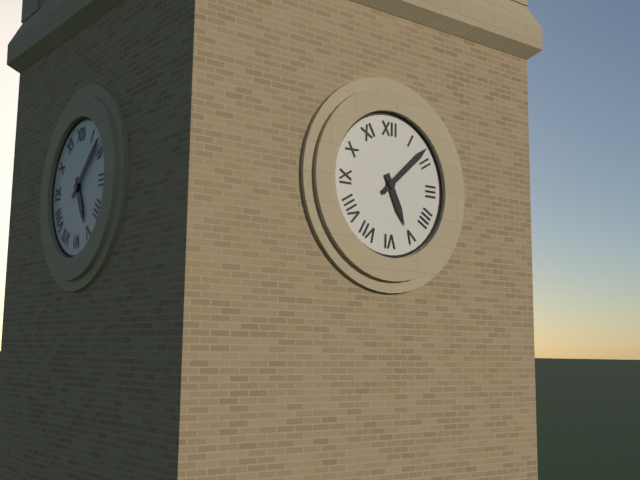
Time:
5:08
